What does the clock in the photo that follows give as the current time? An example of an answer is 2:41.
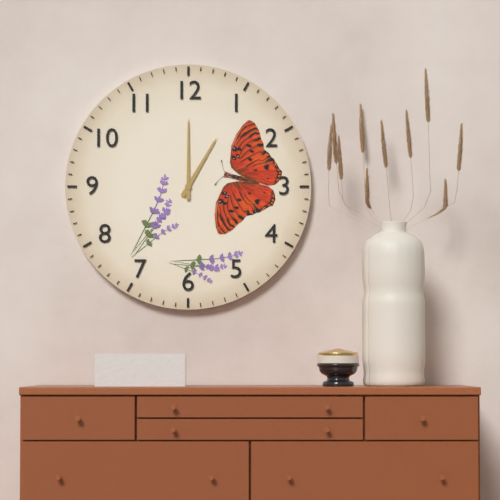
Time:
1:00
